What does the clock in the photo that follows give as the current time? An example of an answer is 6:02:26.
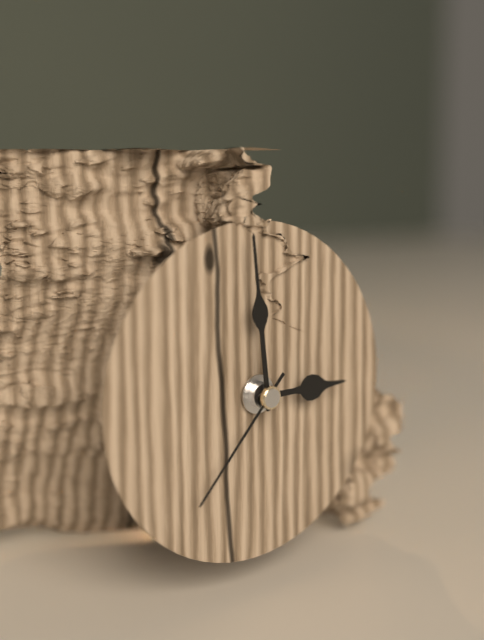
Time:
2:59:37
